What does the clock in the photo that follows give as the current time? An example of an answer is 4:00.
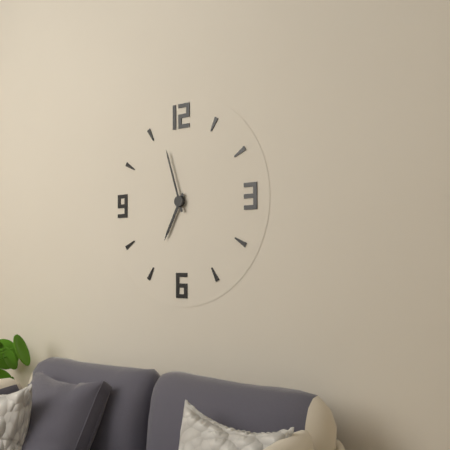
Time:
6:57
